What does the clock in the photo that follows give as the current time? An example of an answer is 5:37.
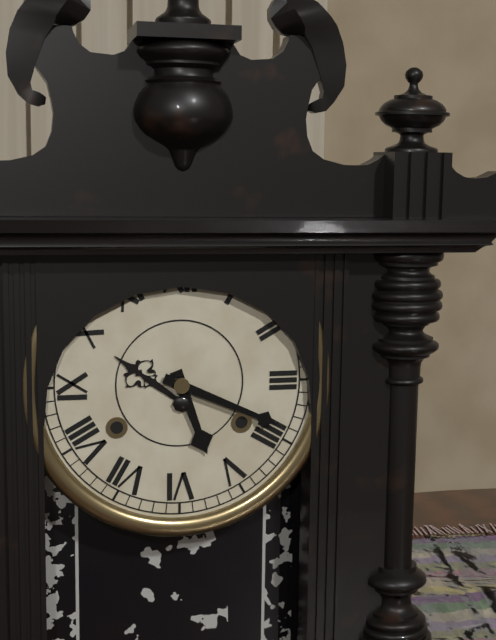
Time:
5:19
